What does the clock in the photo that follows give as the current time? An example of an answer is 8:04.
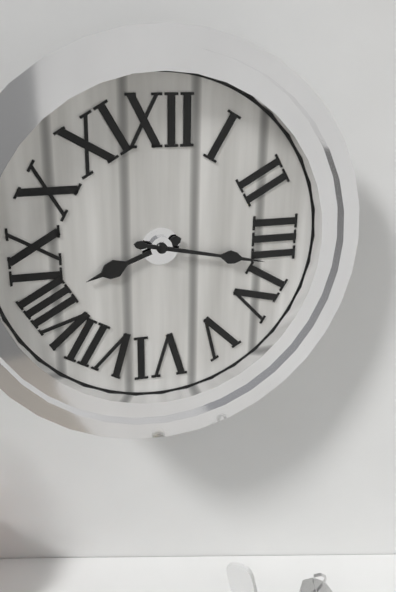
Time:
8:17
